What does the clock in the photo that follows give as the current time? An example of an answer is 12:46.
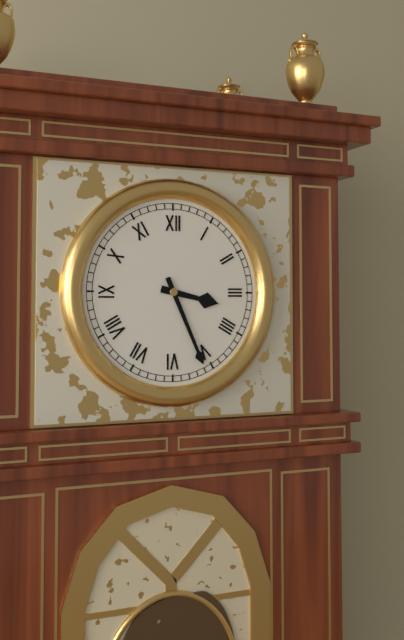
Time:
3:26
